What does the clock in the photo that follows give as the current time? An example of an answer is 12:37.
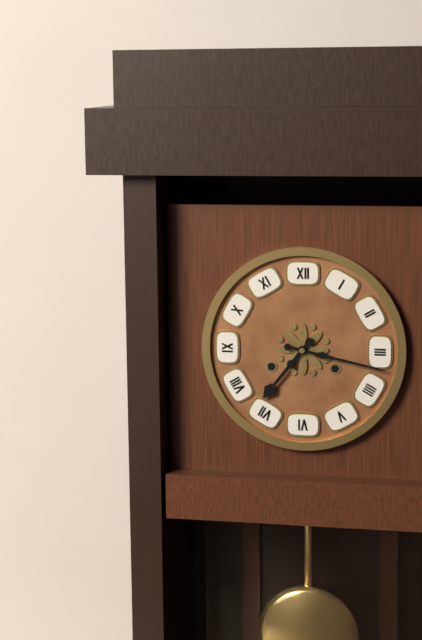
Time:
7:17
